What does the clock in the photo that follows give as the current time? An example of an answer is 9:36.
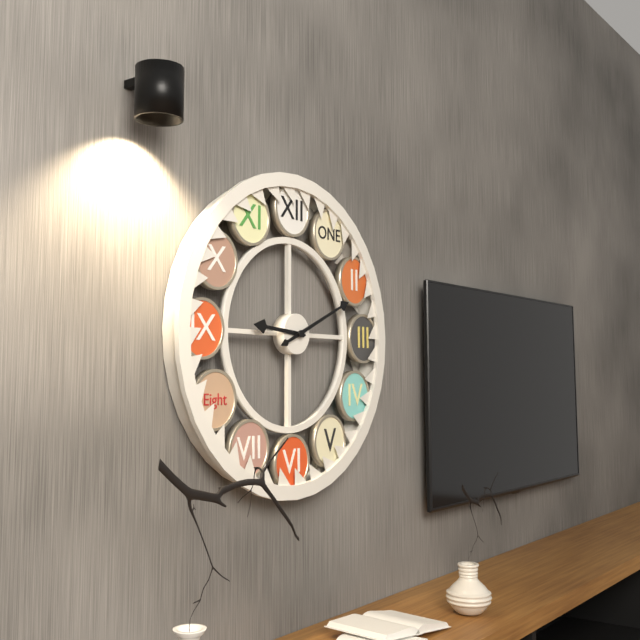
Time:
9:11
